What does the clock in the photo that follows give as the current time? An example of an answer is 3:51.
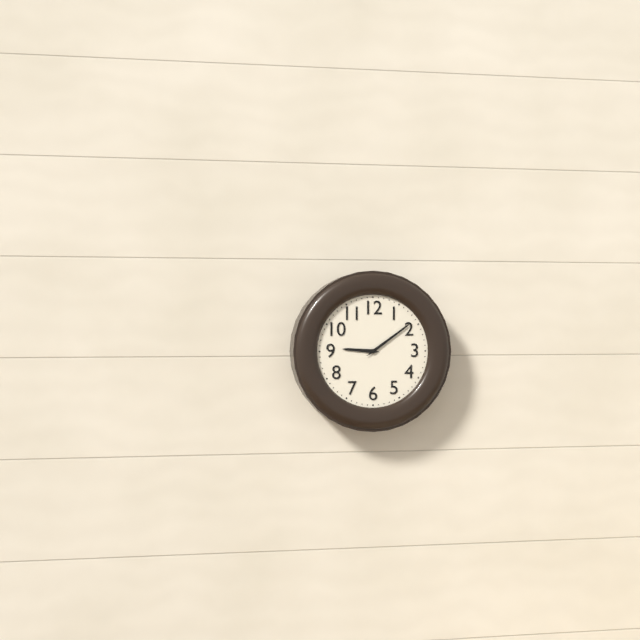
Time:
9:09
